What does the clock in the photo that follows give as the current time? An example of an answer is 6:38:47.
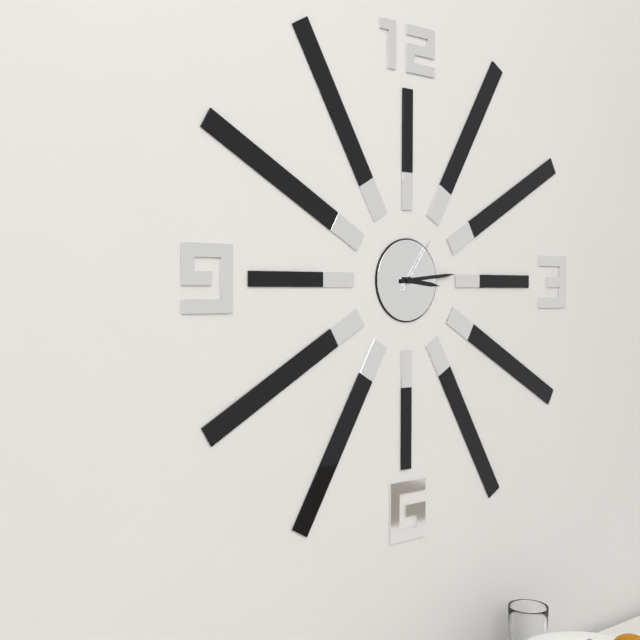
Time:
3:14:06
